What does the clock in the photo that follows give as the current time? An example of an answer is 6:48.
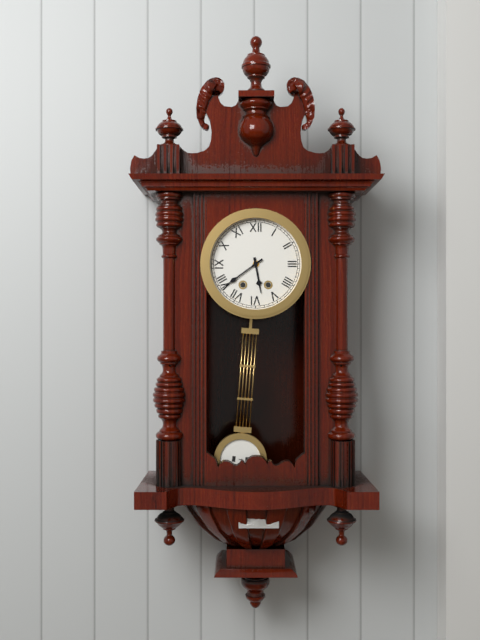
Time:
5:39
